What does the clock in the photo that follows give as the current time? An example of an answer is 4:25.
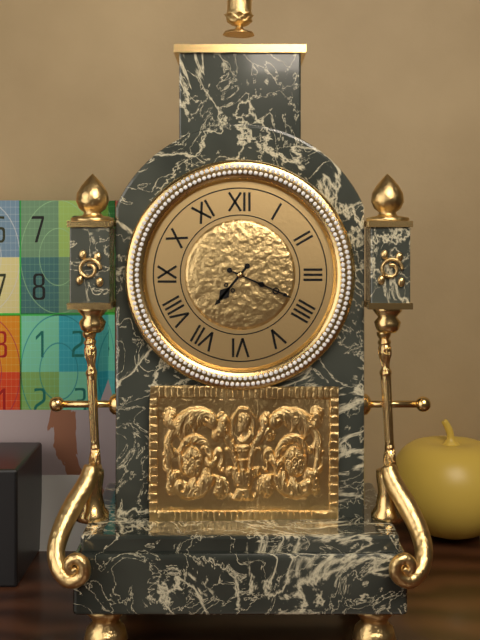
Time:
7:19
